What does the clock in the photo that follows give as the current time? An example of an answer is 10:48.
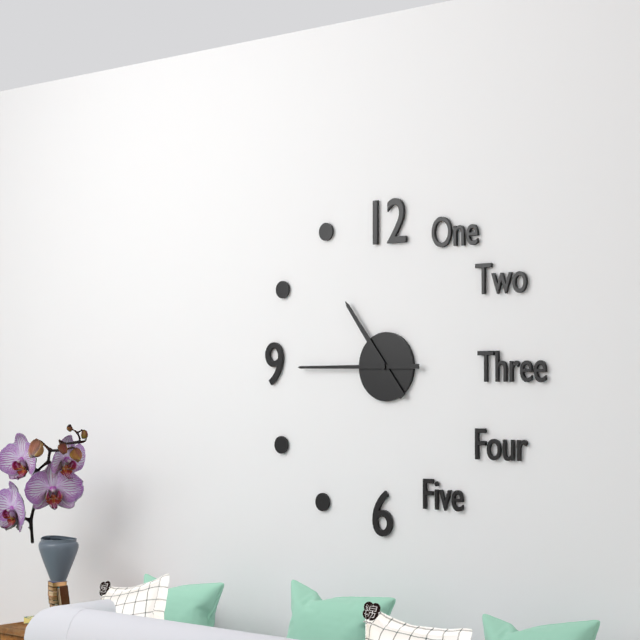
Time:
10:45
